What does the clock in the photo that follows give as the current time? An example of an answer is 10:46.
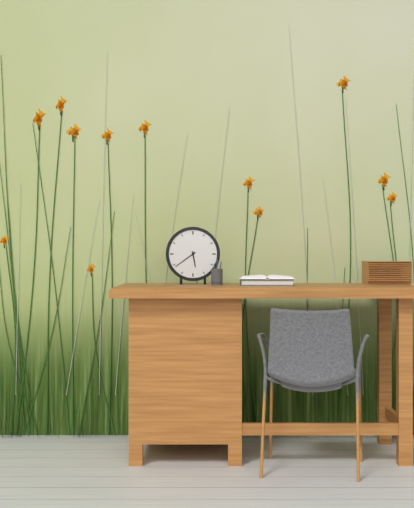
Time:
5:39
